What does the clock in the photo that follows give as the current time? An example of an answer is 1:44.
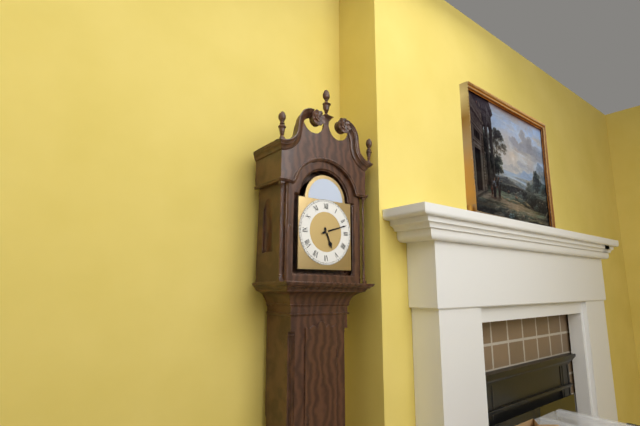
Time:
5:12
